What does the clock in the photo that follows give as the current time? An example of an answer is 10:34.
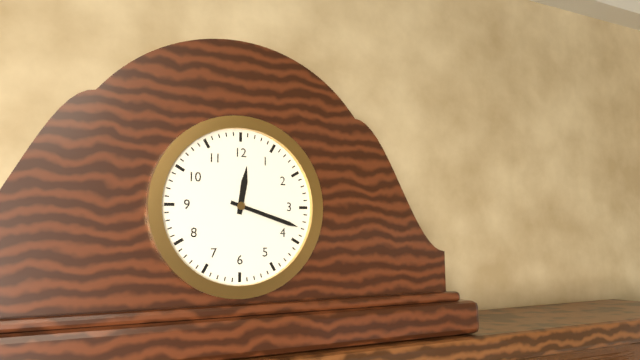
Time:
12:18
